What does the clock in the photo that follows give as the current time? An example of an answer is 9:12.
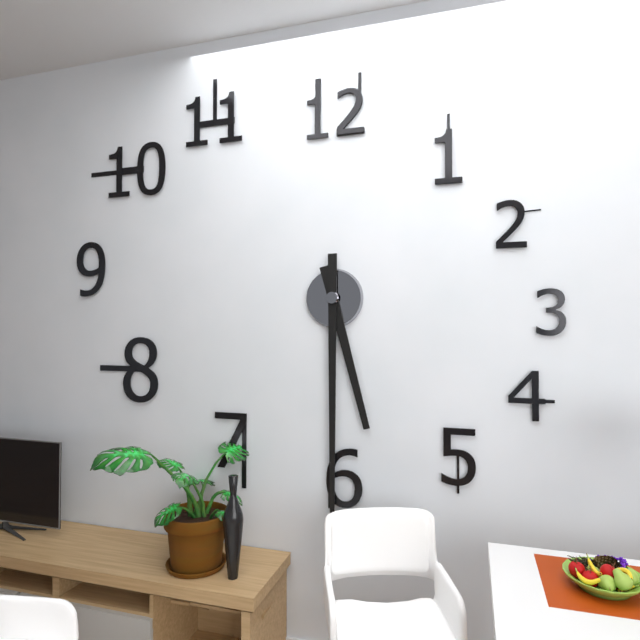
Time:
5:30
